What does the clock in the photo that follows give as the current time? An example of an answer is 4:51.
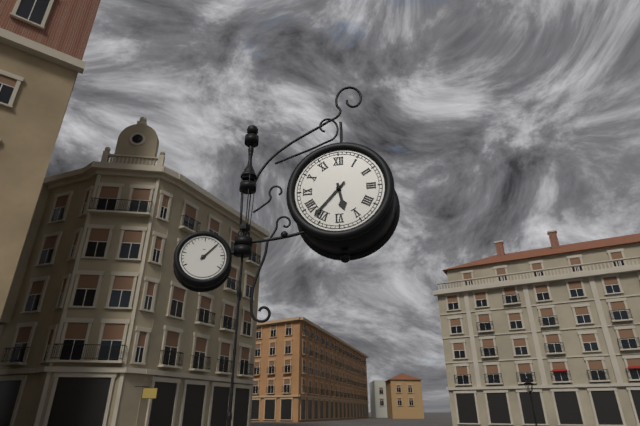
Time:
5:37
